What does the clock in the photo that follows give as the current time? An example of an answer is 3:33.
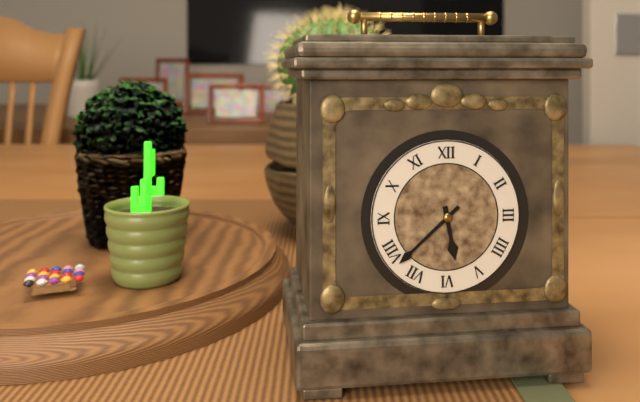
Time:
5:38
